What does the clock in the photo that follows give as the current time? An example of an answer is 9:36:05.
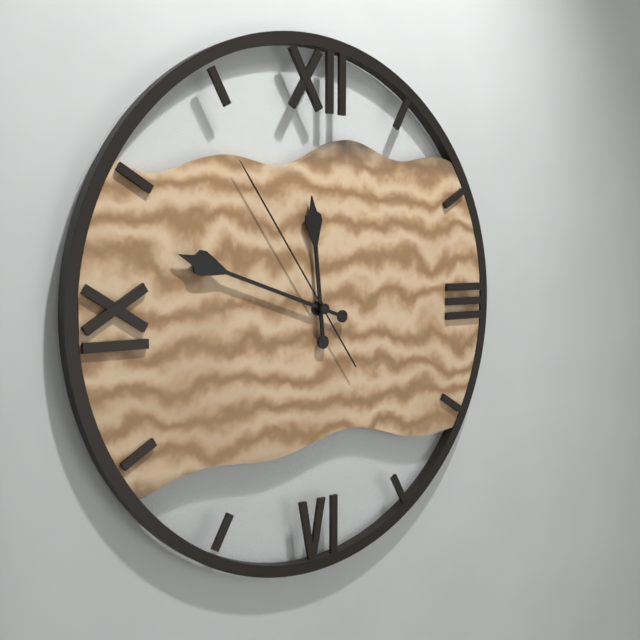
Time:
11:48:54
